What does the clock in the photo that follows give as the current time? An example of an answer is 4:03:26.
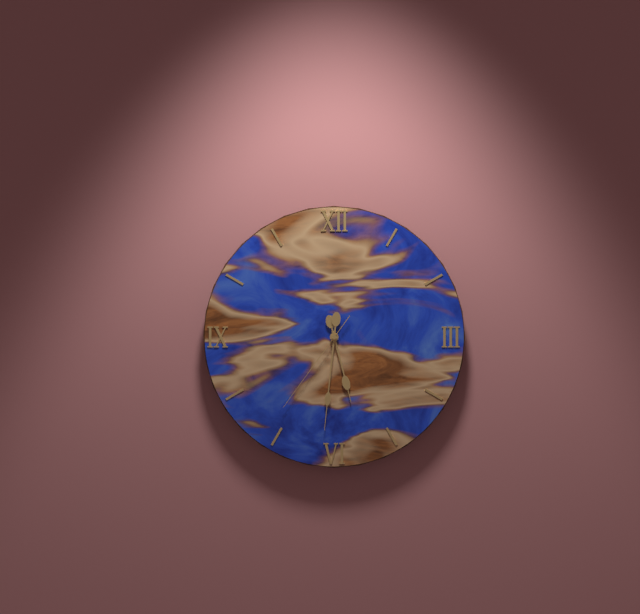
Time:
5:31:36
